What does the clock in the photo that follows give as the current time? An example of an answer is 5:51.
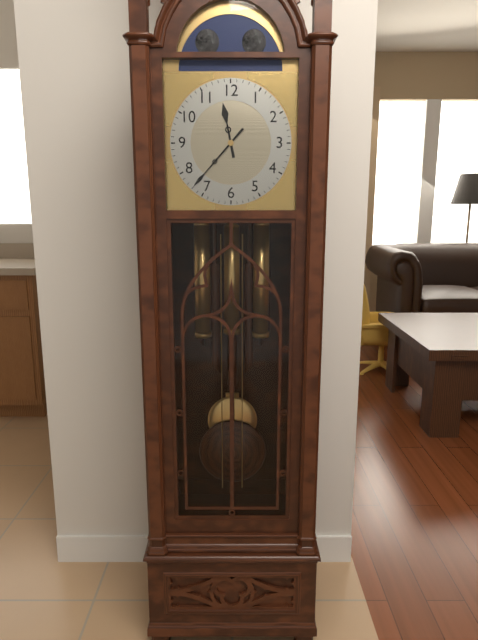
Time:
11:37
